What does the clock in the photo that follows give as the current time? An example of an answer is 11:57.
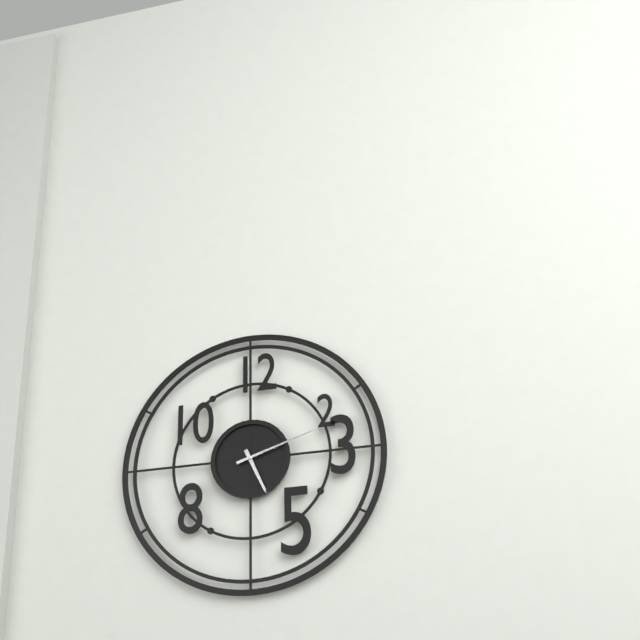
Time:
5:12
